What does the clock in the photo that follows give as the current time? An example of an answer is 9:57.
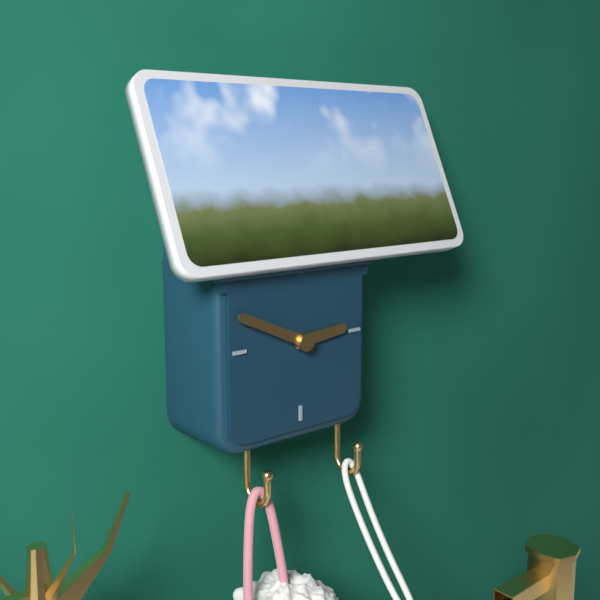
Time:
2:49
